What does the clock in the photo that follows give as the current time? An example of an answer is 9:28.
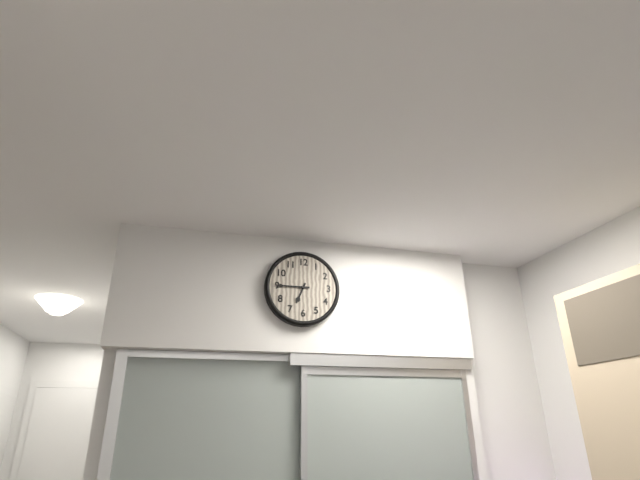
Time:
6:45
